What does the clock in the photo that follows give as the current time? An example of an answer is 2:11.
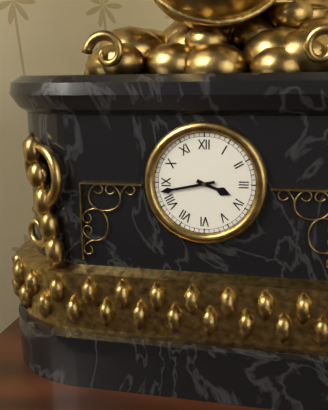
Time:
3:43
